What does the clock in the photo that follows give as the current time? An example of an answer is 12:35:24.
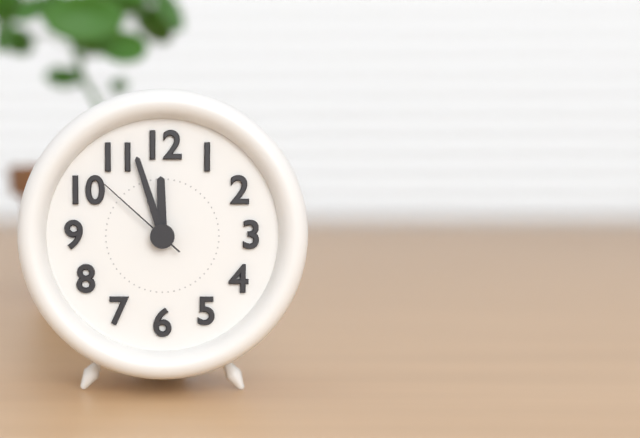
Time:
11:57:52
